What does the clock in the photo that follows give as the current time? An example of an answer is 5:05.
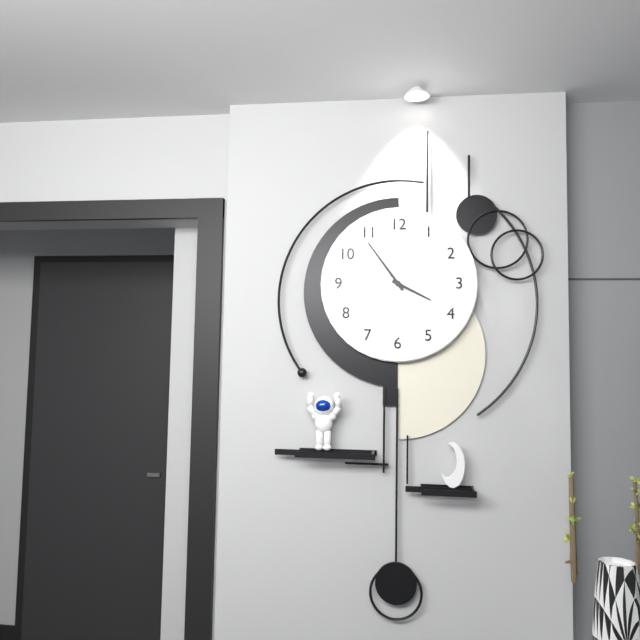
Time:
3:54
